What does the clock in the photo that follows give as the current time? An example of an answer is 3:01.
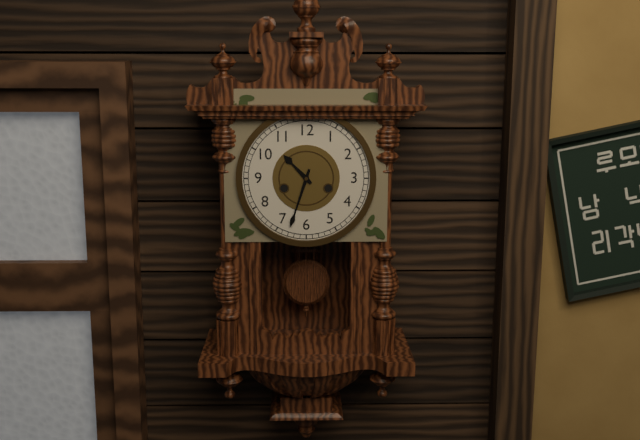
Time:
10:33
